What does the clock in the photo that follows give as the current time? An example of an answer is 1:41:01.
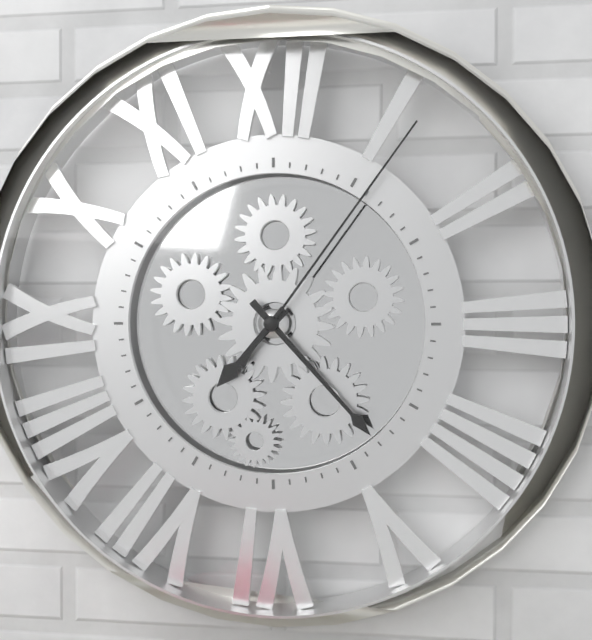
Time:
7:23:06
